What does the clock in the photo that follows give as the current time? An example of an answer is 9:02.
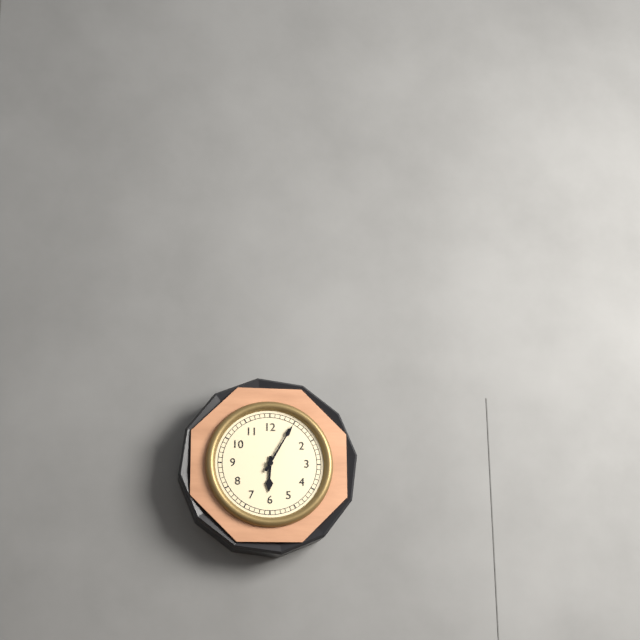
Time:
6:05
